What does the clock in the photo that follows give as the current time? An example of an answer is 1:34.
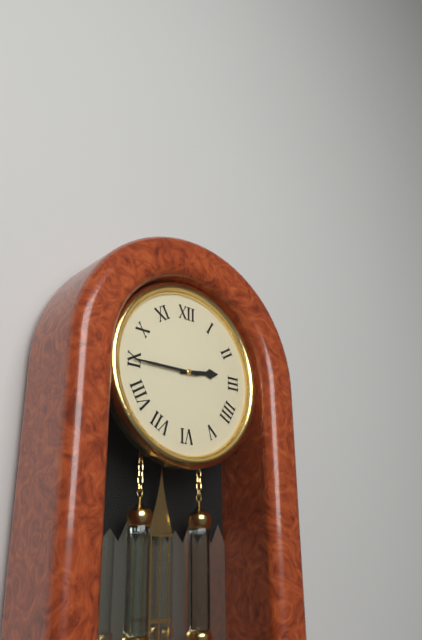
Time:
2:45
